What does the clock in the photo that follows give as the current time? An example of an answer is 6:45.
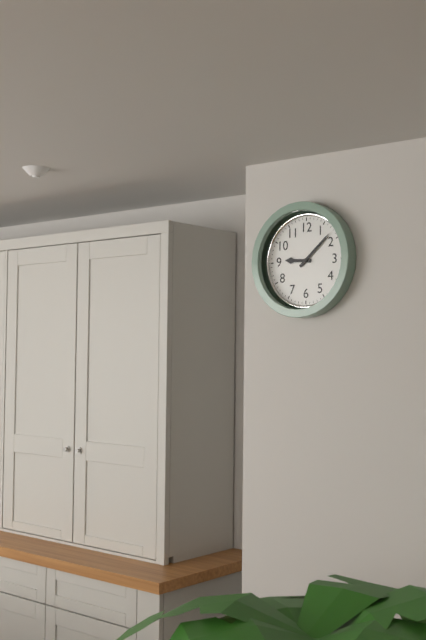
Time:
9:08
